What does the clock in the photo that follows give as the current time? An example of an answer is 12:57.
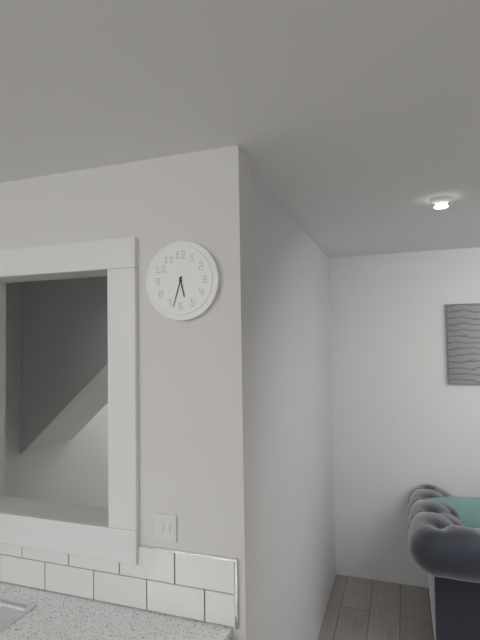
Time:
5:33
